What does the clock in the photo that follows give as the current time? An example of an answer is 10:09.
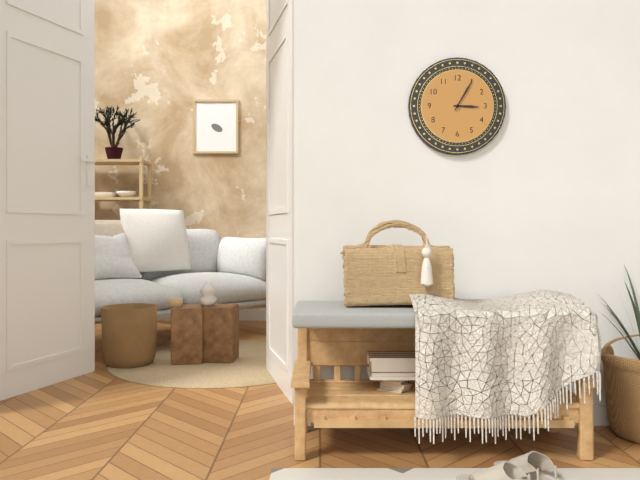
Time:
3:05
